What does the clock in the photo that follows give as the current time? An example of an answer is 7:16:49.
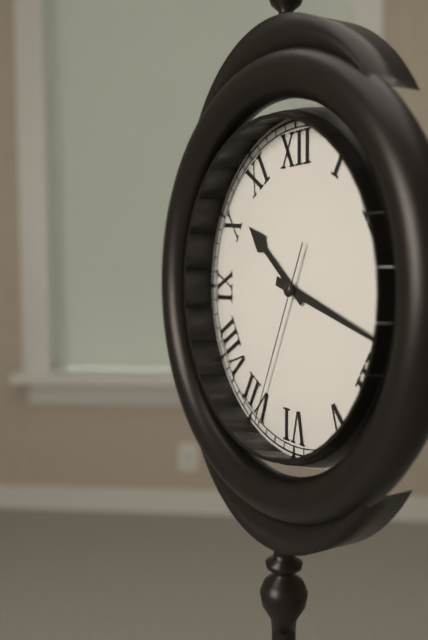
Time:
10:18:34
